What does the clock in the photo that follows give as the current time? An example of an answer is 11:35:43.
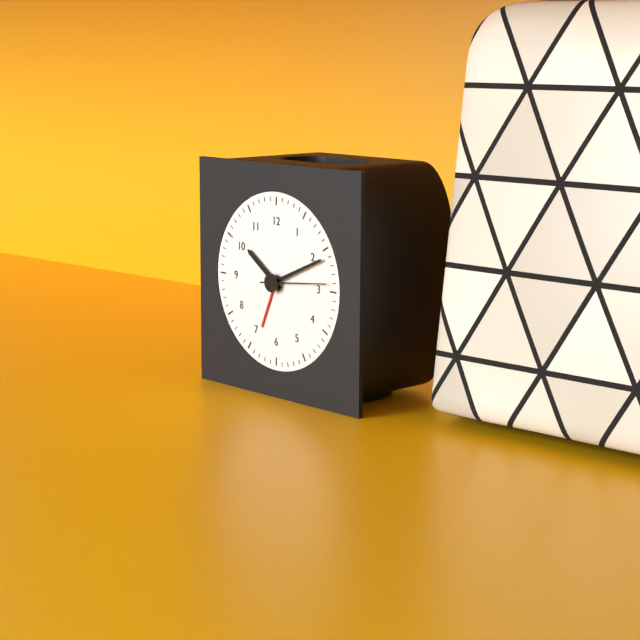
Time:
10:11:14
